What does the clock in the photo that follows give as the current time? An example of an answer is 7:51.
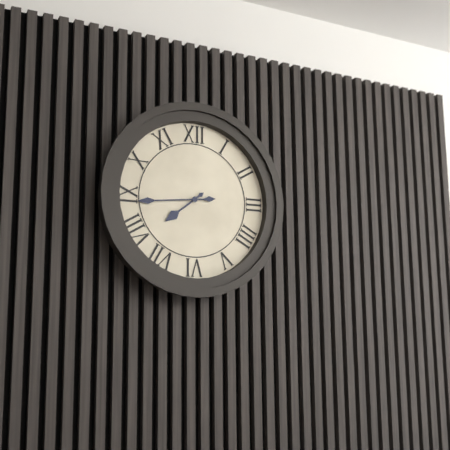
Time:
7:44
